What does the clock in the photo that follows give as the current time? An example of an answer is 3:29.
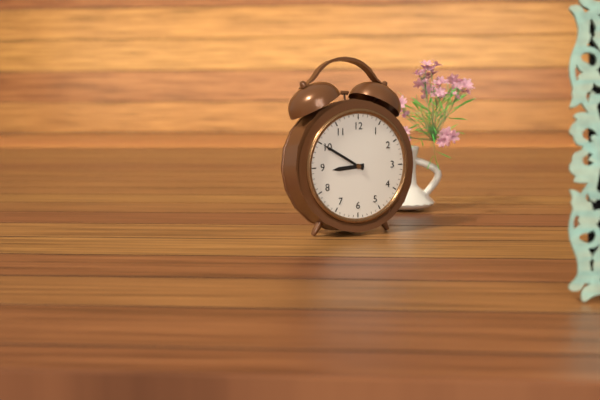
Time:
8:50
